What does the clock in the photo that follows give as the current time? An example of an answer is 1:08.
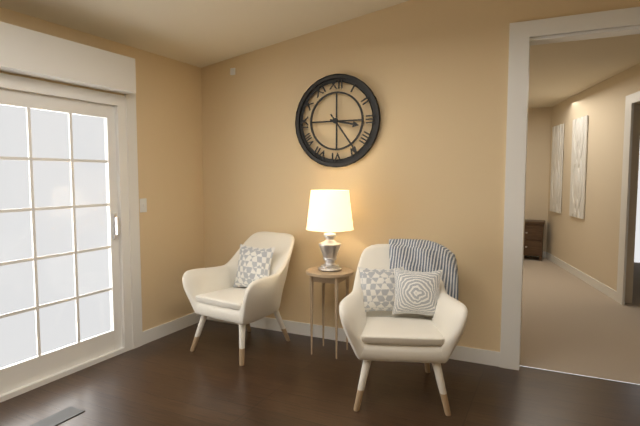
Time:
3:24
